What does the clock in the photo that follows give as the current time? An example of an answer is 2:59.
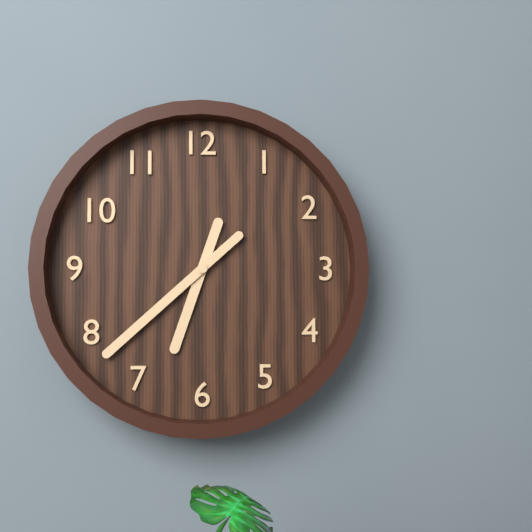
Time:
6:38
